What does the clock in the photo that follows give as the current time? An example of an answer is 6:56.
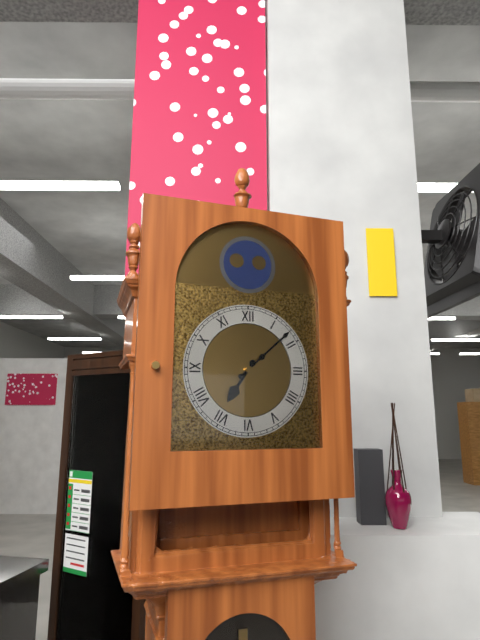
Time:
7:08
